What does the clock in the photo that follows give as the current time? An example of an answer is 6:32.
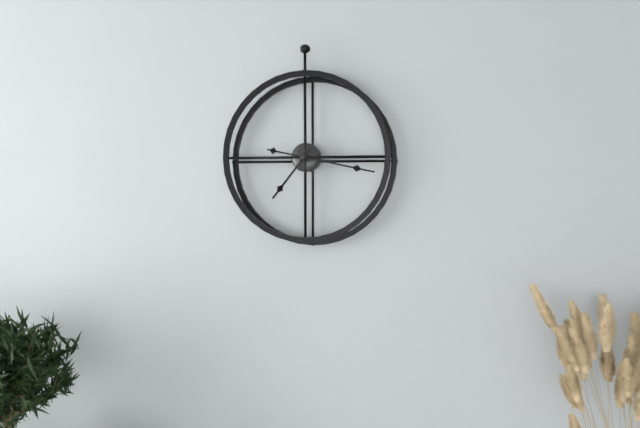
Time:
7:17
